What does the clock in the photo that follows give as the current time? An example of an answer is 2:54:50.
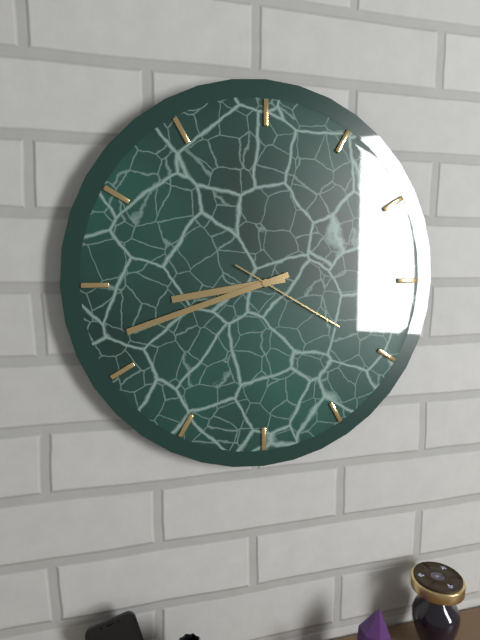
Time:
8:42:20
